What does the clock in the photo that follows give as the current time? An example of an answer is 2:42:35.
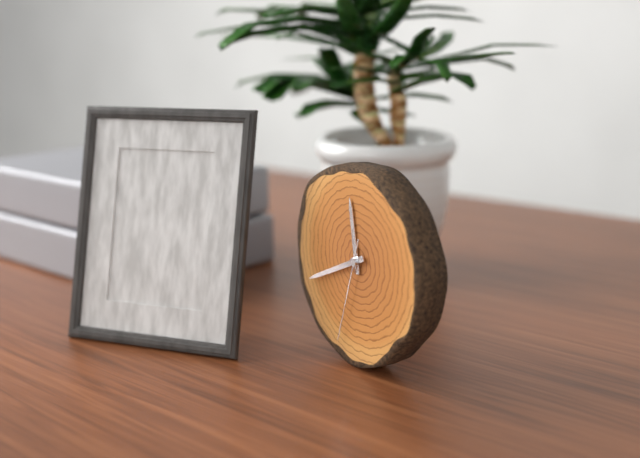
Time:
11:41:33
